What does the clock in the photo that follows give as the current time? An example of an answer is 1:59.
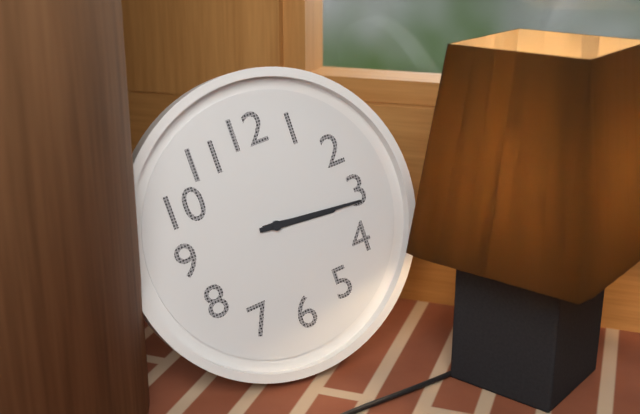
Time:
3:16
